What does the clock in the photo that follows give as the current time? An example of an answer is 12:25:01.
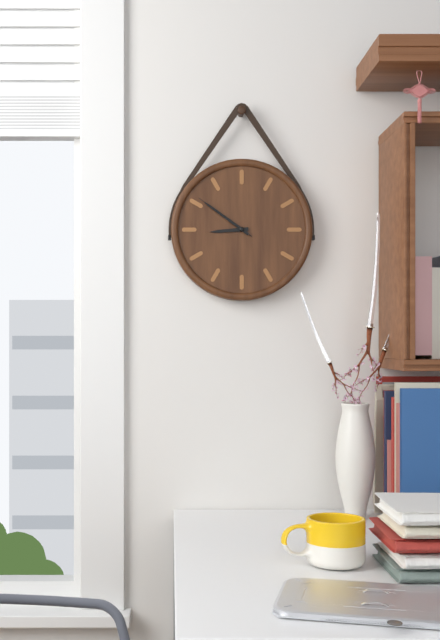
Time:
8:51:51
